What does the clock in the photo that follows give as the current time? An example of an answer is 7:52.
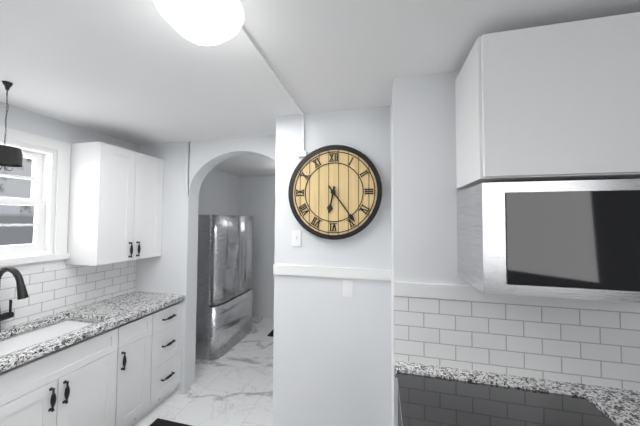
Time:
6:24
